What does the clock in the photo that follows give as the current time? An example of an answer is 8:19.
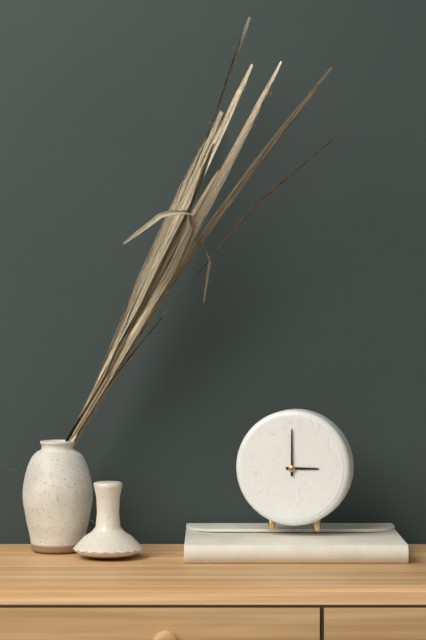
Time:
3:00
